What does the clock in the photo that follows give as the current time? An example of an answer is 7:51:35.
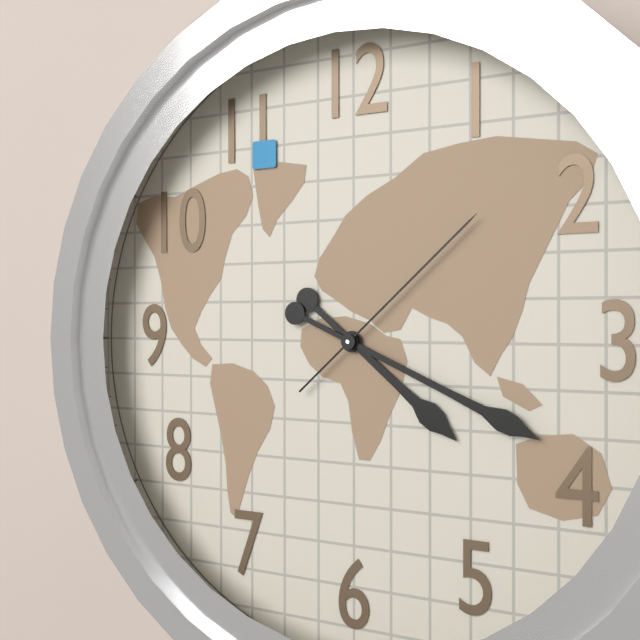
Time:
4:19:08
